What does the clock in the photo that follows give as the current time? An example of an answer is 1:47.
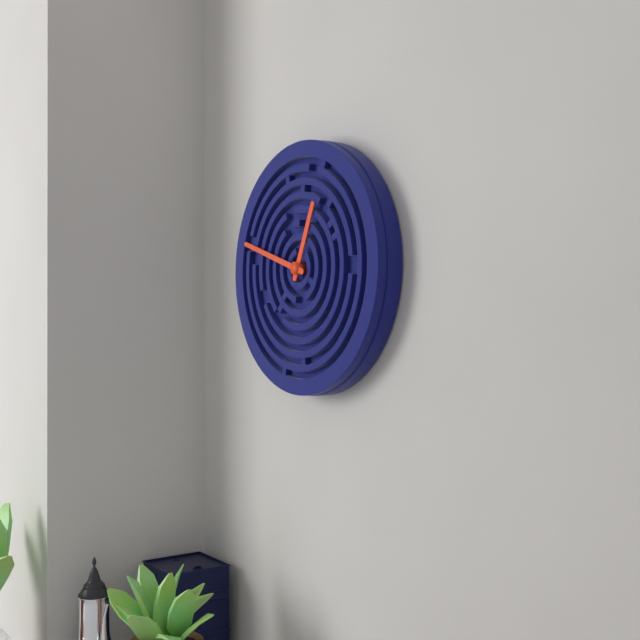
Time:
12:48
